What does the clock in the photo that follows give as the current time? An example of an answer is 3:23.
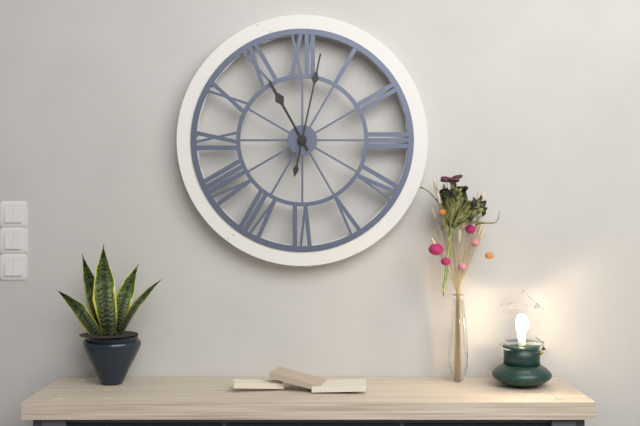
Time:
11:02
